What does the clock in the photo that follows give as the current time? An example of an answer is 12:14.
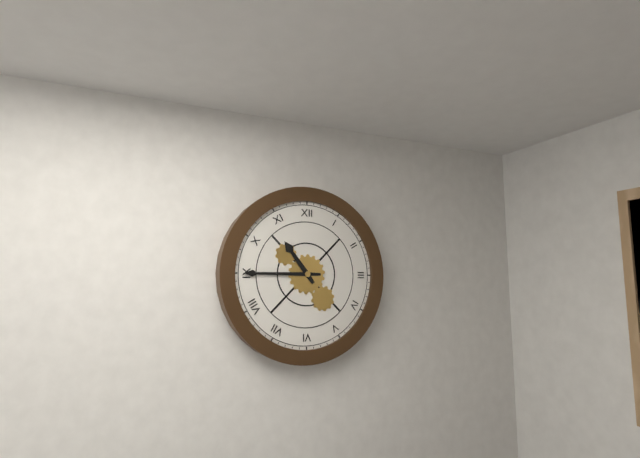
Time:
10:45
